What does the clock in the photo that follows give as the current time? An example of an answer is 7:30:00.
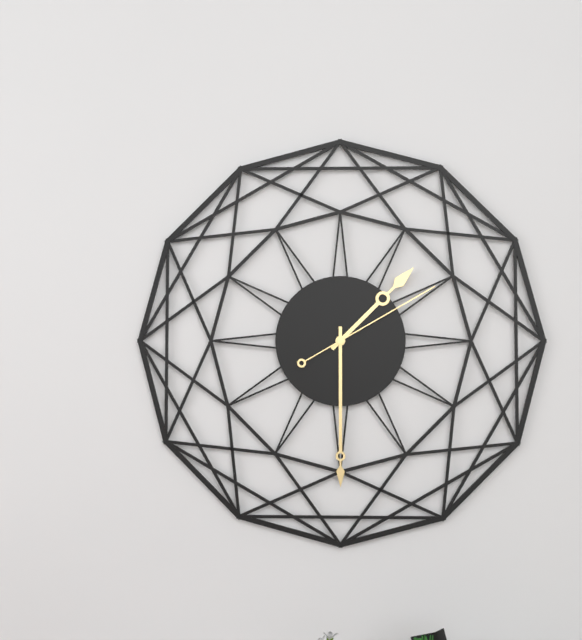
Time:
1:30:10
